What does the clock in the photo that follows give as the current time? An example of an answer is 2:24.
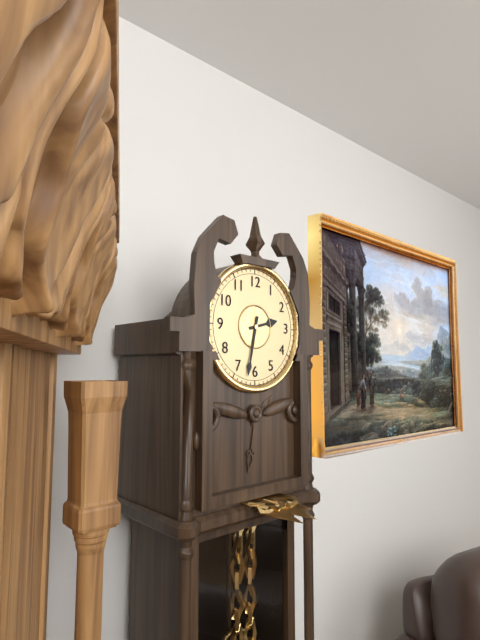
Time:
2:32
